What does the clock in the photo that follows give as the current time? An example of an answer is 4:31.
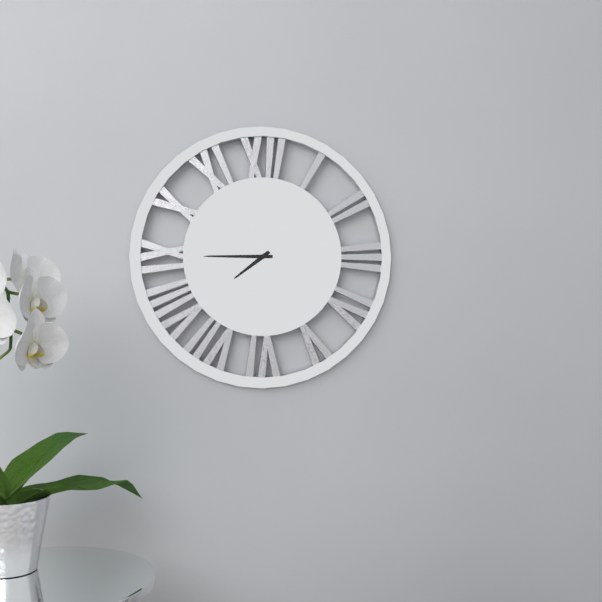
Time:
7:45
